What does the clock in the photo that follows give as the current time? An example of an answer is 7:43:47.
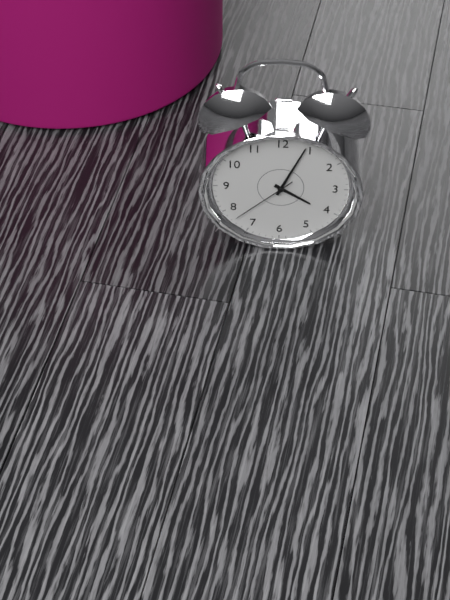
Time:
4:04:38
